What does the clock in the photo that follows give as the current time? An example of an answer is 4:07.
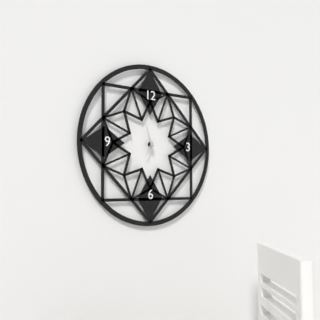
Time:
6:57
